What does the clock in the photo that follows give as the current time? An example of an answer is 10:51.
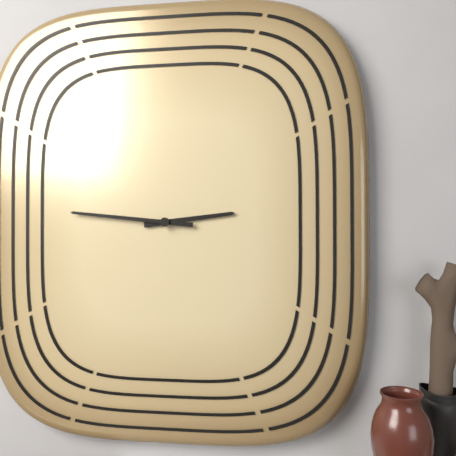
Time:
2:46
